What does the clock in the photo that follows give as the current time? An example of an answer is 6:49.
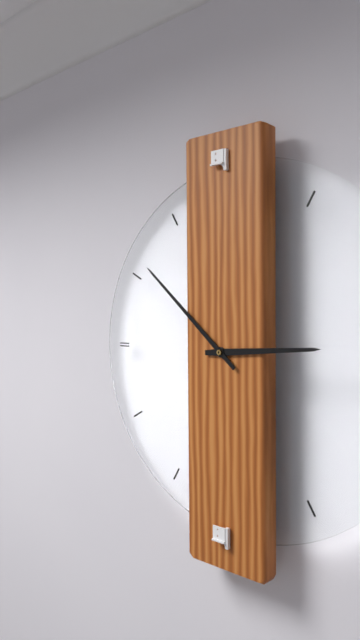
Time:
2:52
